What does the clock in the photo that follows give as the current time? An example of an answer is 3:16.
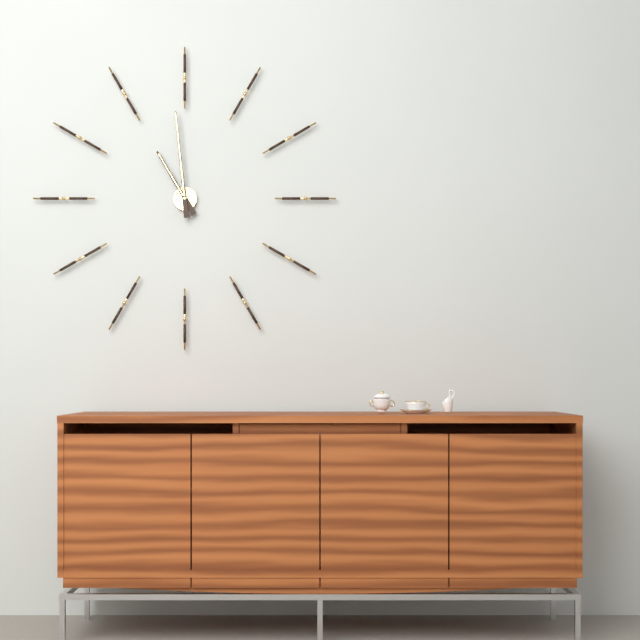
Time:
10:59
